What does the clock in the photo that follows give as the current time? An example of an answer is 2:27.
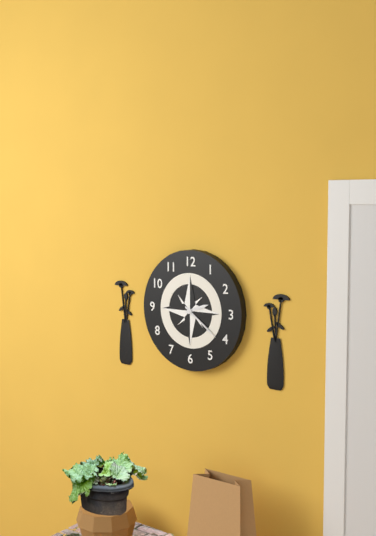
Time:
2:21
